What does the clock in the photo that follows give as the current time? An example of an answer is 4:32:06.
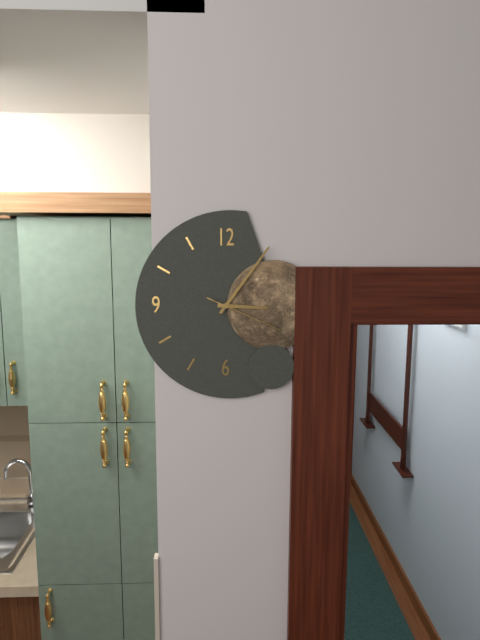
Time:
3:06:19
